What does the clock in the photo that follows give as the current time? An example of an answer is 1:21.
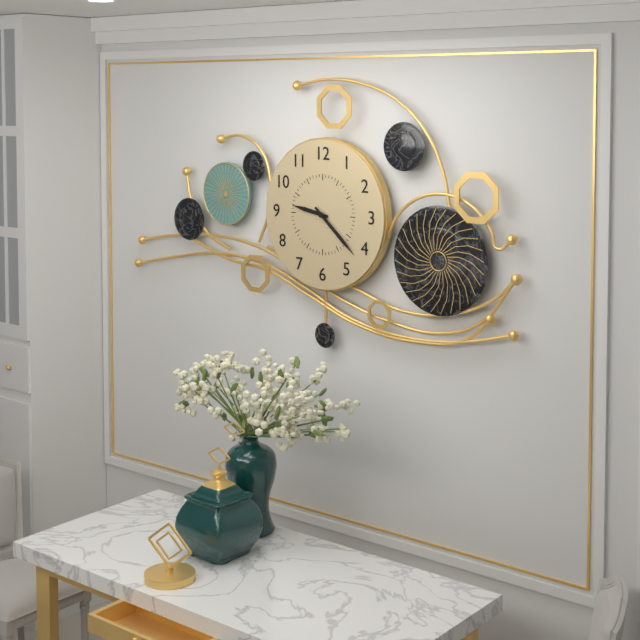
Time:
9:22
